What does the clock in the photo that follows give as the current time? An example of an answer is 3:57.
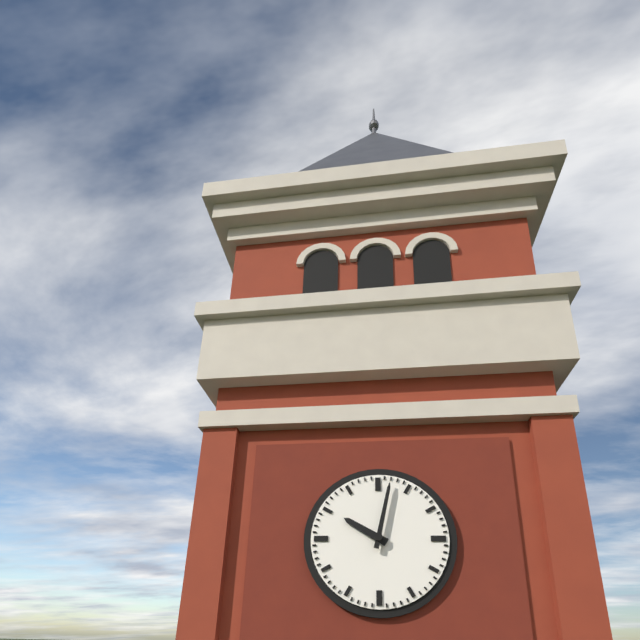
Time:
10:02
